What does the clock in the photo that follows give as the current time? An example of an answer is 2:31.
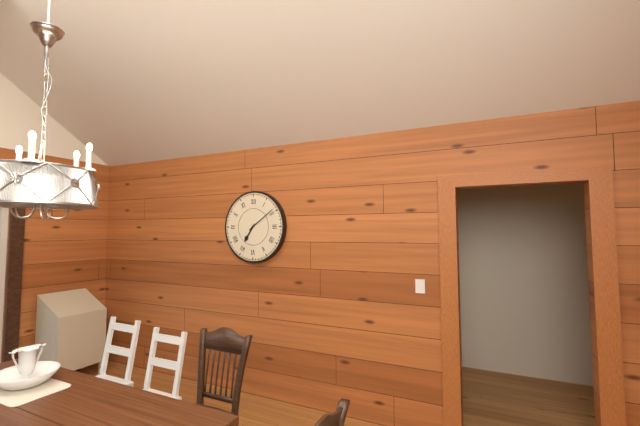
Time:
7:09
